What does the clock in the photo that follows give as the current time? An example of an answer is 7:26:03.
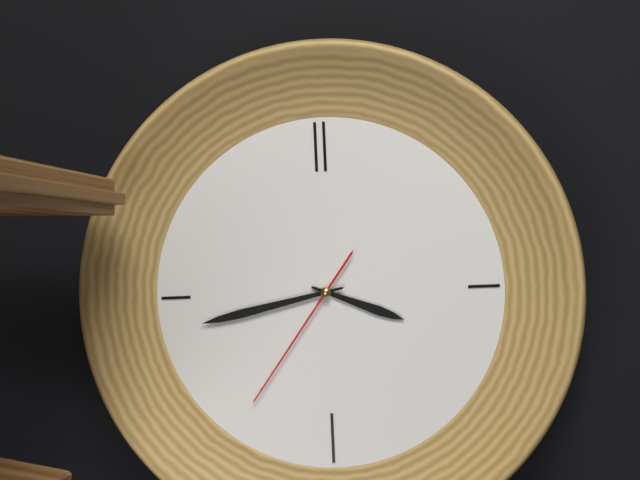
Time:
3:43:36
